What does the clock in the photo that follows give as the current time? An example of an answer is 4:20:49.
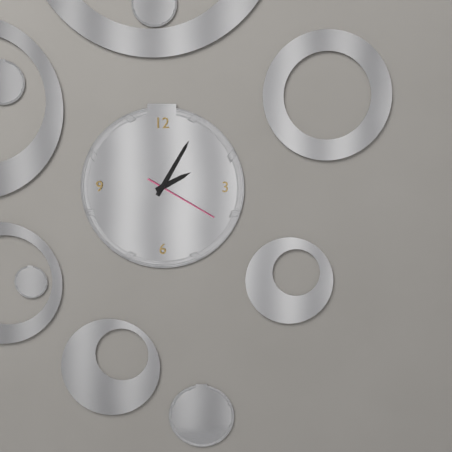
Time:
2:05:20
